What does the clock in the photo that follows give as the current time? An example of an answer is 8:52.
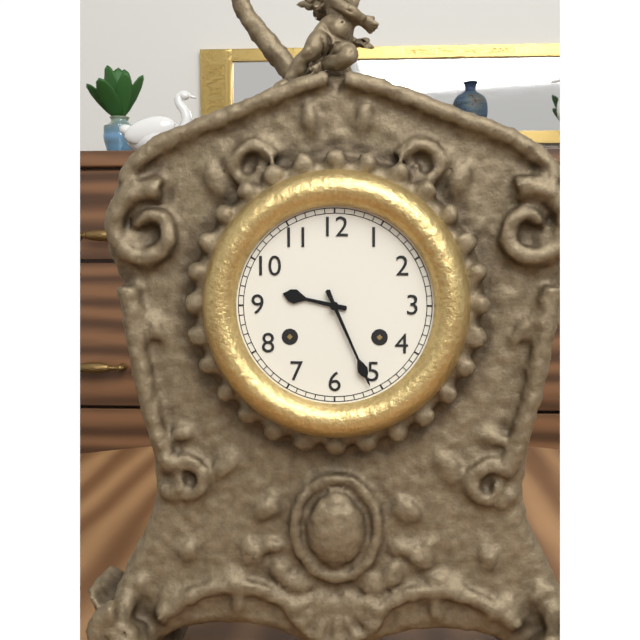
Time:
9:26
